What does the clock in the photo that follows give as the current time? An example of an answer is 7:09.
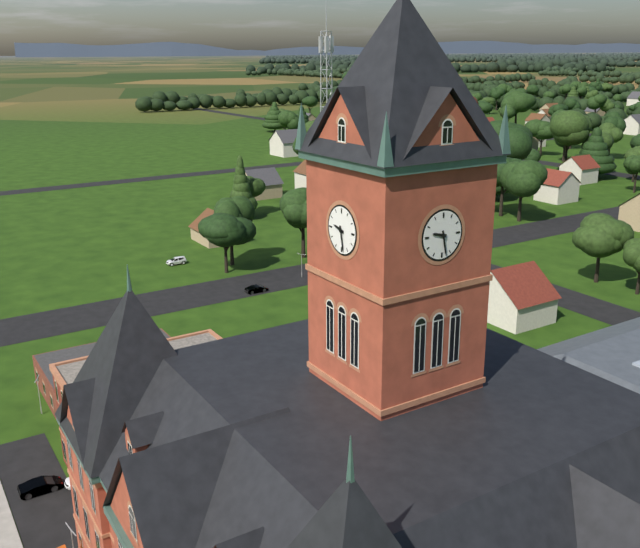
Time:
9:28
